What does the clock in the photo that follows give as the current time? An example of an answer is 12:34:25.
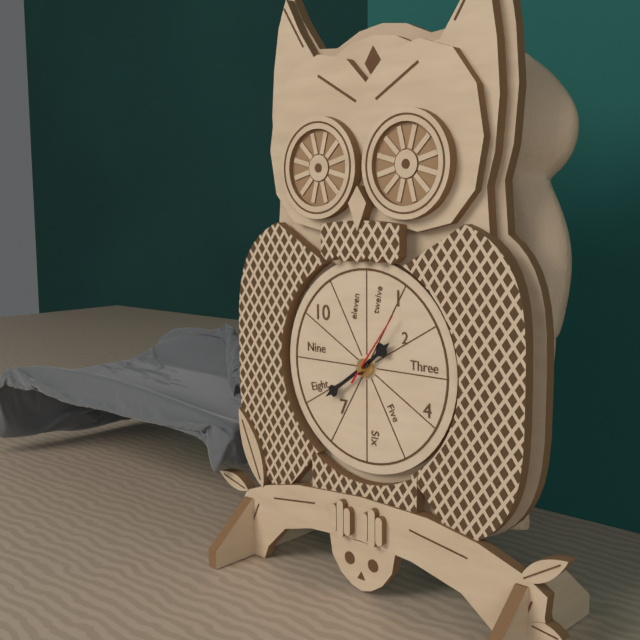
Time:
1:39:06
